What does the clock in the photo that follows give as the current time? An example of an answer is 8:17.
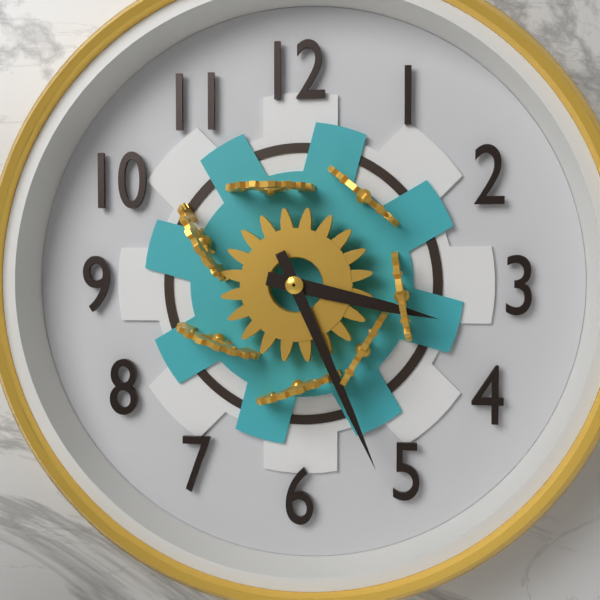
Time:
3:26
